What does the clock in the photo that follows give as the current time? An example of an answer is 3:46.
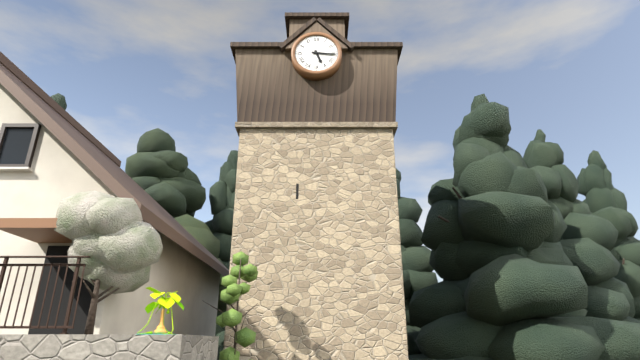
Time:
5:16
